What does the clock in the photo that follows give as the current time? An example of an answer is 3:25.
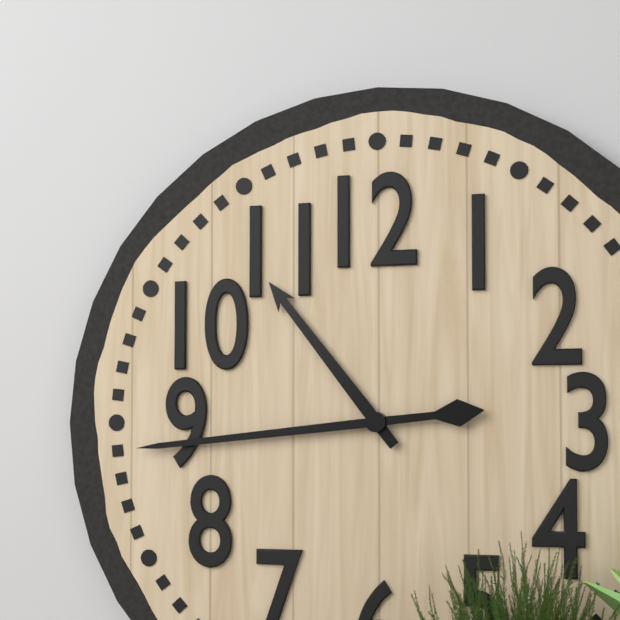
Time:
10:44
